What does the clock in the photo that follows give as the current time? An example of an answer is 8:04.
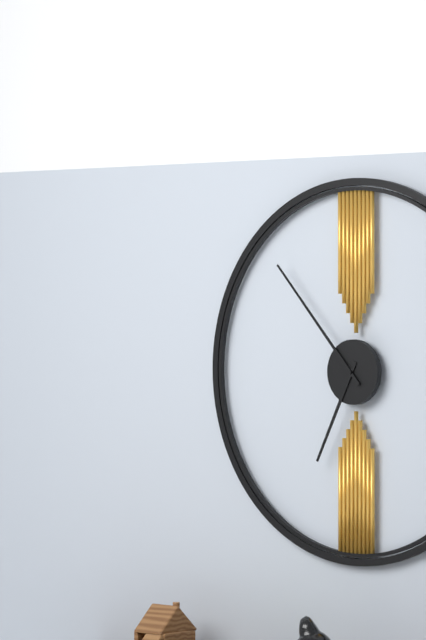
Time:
6:53
